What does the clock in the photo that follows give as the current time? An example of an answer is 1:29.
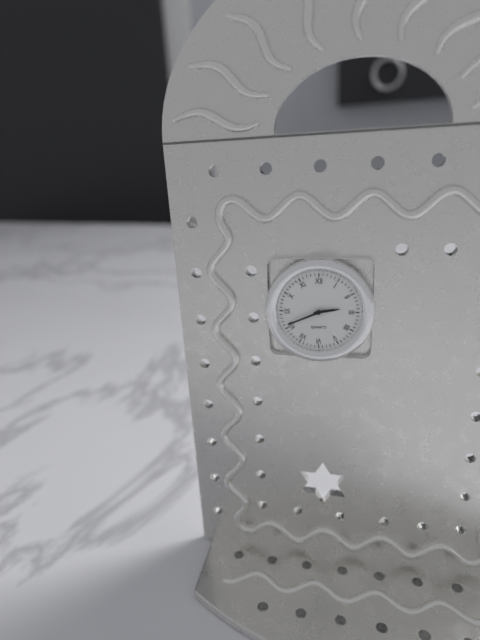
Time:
2:41
